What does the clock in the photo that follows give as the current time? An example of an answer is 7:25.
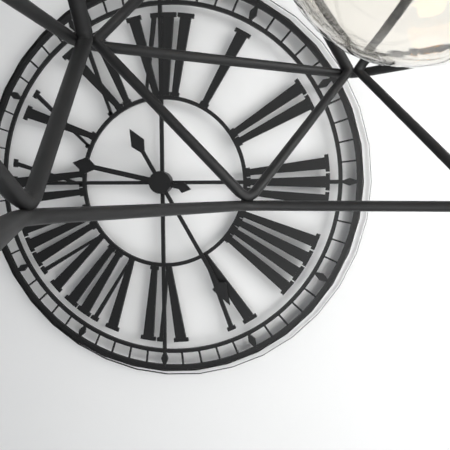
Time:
9:25
